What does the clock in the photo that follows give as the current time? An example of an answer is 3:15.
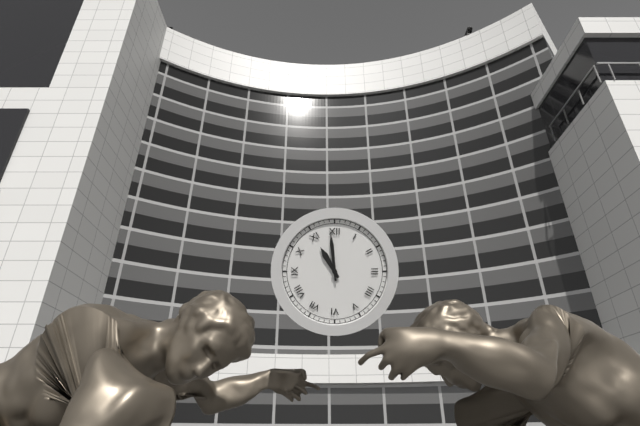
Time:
10:59
